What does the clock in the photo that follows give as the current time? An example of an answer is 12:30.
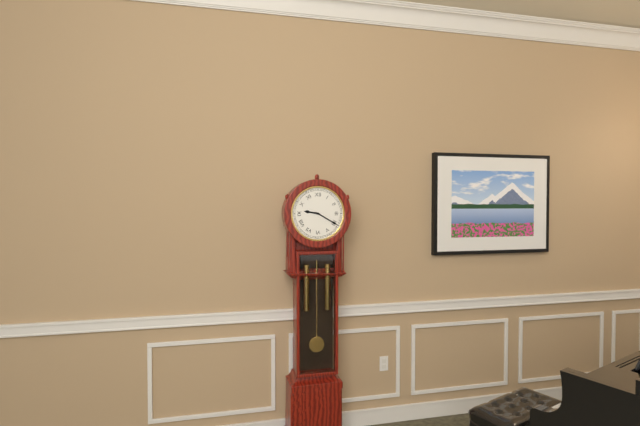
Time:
9:20
